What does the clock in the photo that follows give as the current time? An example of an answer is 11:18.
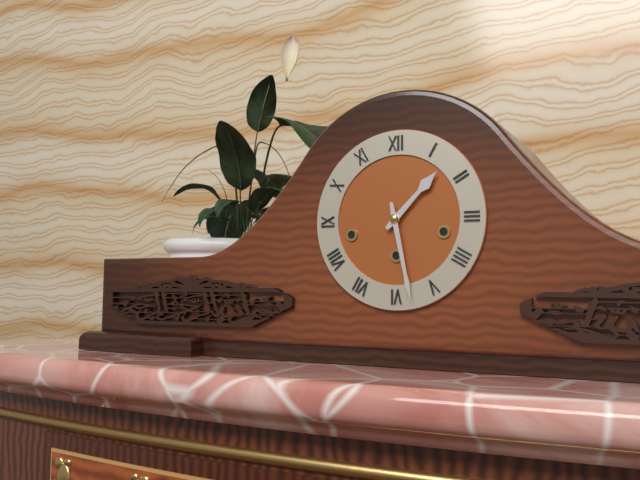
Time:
1:28
